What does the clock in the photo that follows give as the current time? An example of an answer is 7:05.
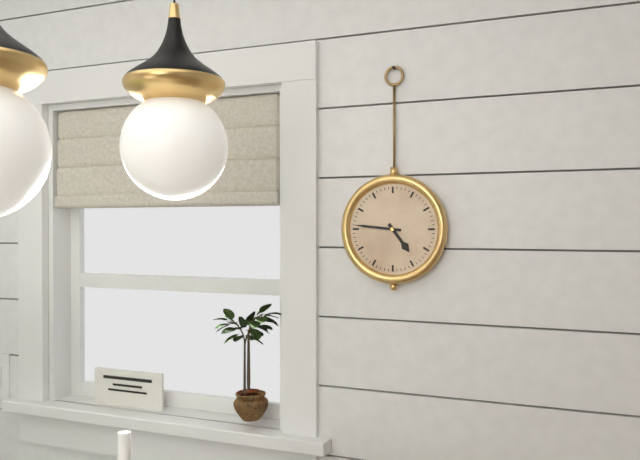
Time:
4:46
